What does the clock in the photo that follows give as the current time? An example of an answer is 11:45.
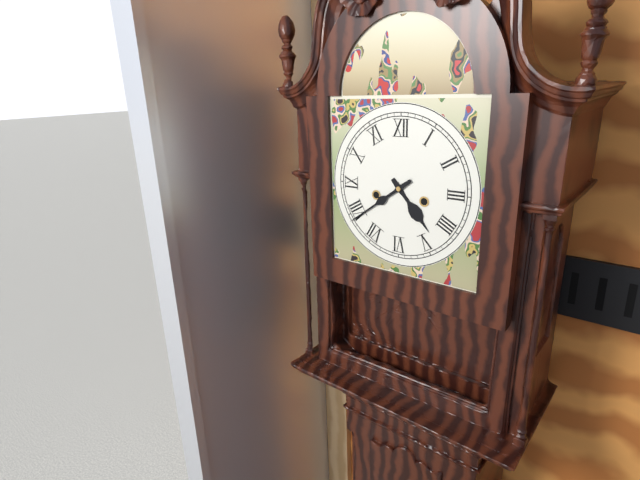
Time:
4:39
